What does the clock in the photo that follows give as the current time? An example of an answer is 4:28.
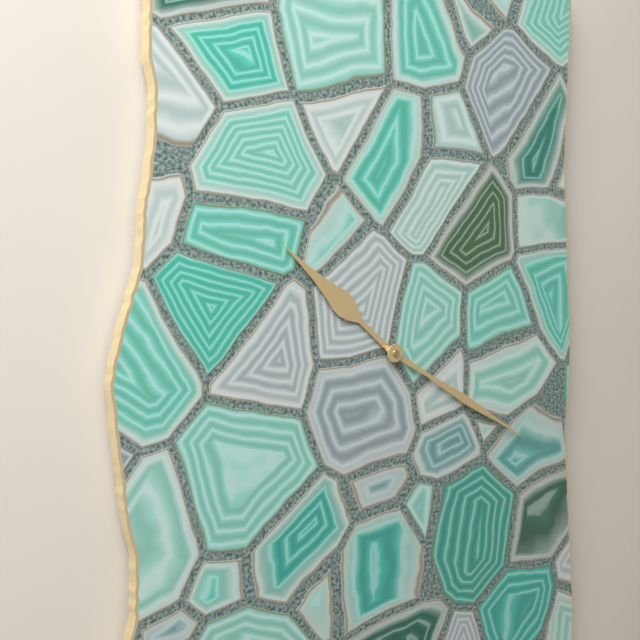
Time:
10:20
